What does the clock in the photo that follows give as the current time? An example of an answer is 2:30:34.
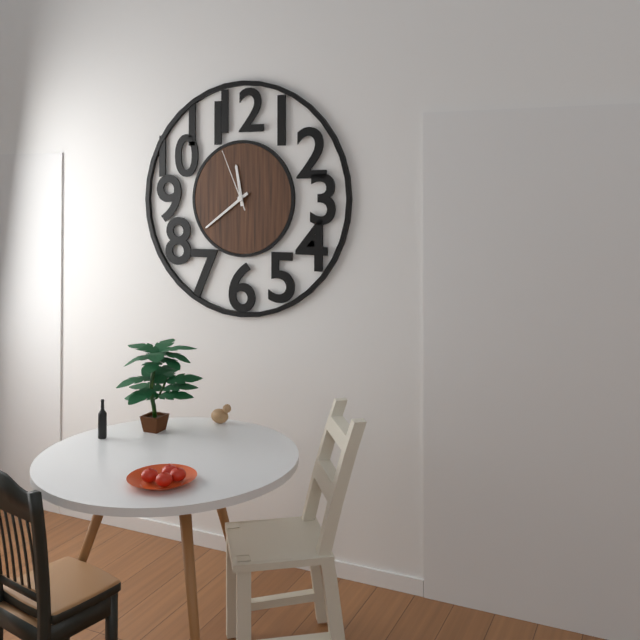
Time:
11:39:56
